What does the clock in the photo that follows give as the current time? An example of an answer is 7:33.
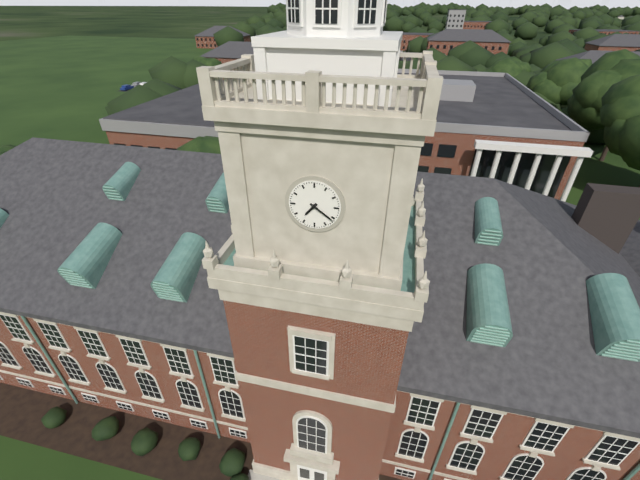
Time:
7:21
